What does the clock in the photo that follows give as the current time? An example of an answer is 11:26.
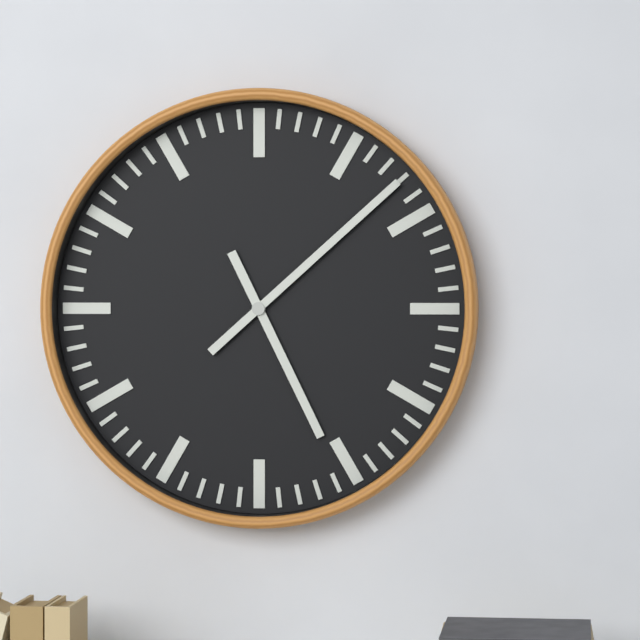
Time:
5:08
